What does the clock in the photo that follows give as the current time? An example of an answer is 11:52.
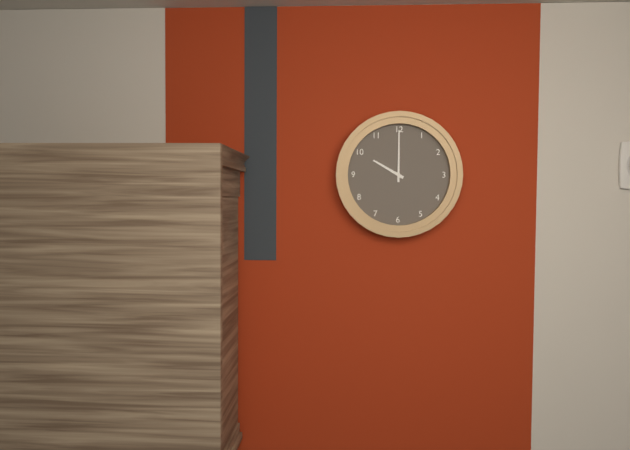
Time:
10:00
